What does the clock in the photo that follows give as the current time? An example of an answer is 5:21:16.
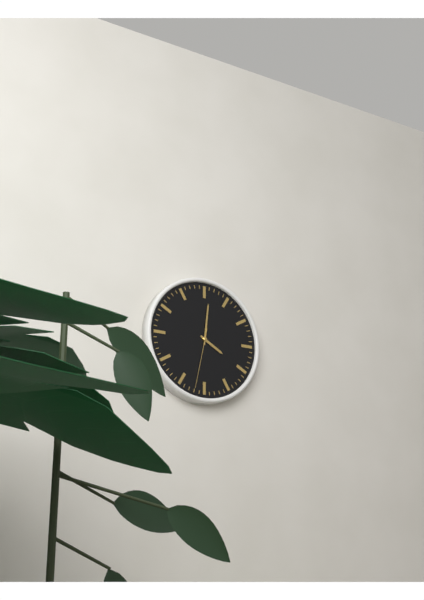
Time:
4:01:32
